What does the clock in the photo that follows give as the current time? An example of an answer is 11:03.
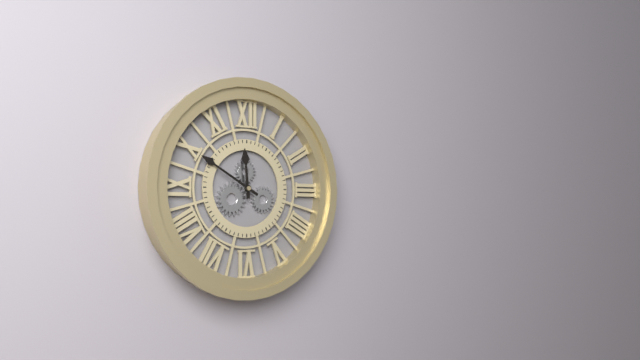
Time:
11:50
